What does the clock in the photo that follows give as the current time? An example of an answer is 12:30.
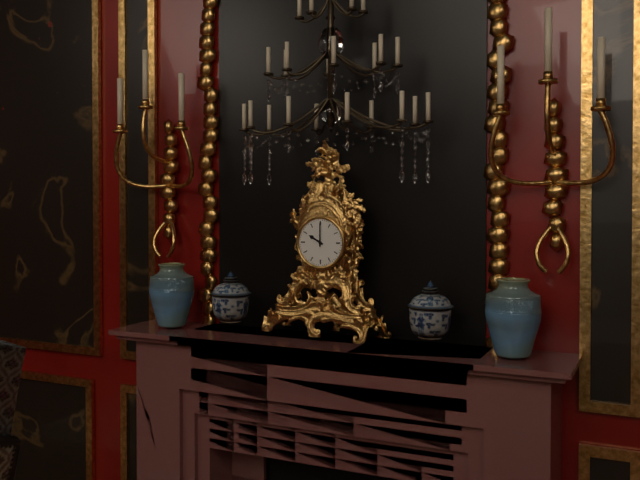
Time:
10:00
